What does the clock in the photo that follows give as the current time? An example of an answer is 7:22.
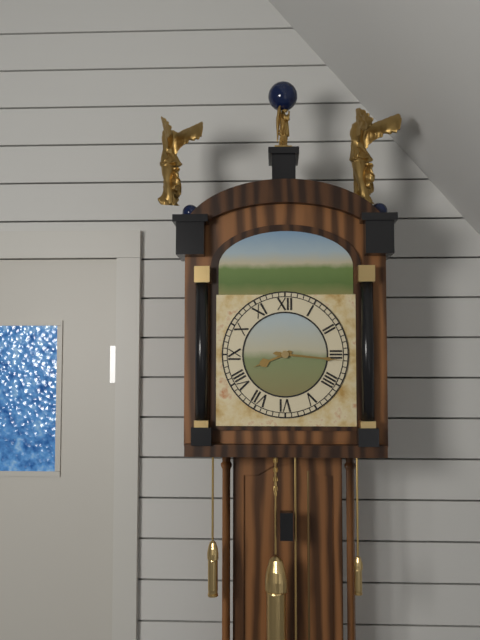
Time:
8:16
